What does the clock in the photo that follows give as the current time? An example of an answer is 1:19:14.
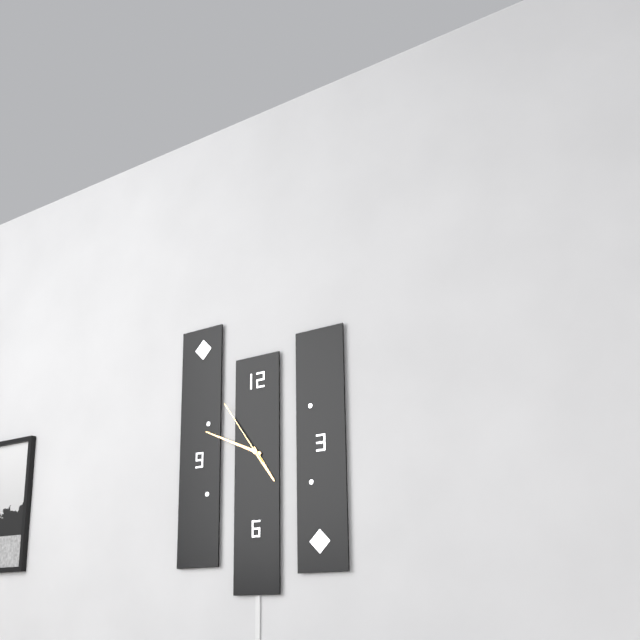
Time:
4:49:54
